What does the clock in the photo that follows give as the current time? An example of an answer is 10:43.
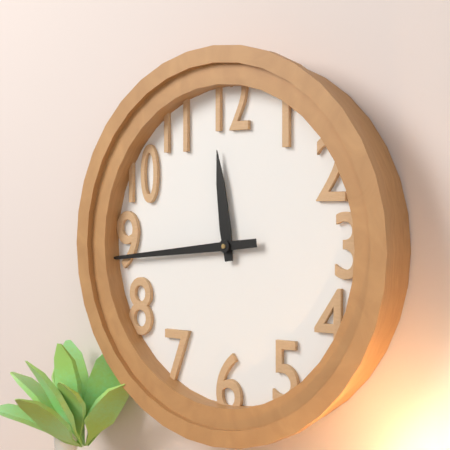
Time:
11:44
